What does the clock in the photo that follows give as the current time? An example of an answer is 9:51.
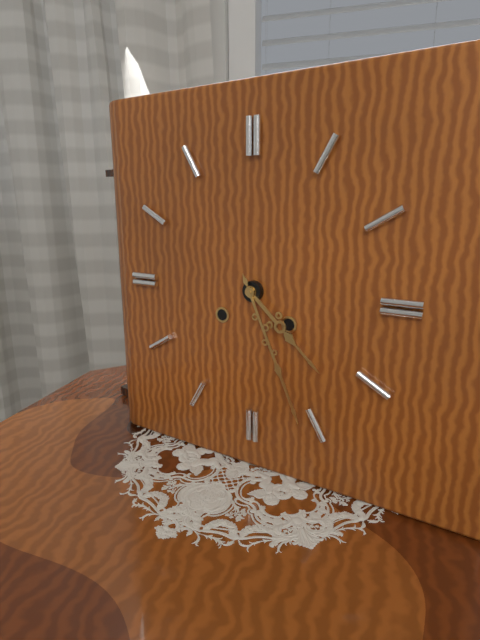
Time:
4:26
